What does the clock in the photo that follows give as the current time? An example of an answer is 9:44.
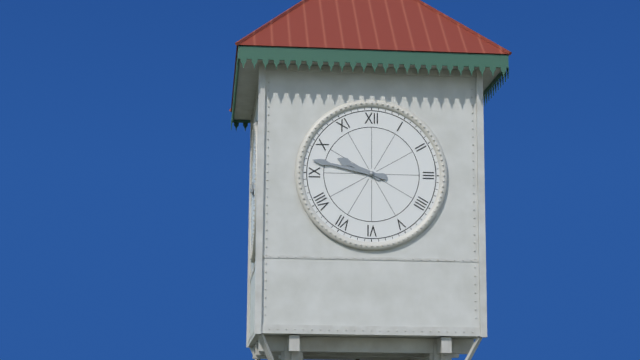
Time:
9:47
